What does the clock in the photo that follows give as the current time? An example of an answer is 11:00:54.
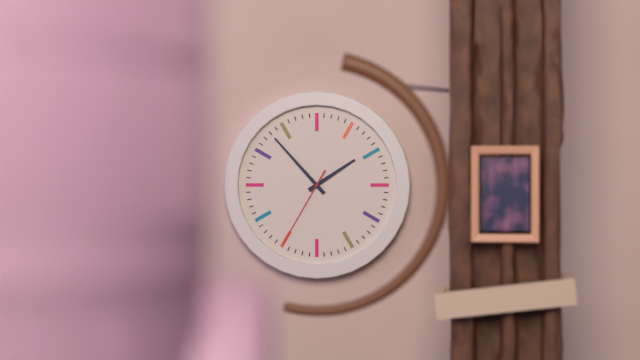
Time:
1:53:35
